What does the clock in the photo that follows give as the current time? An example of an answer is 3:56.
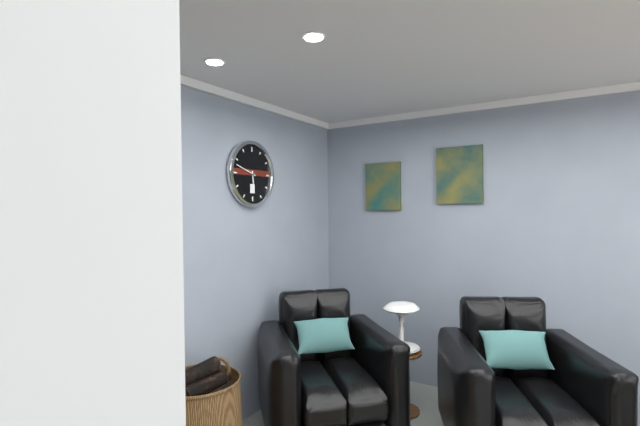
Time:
5:48
